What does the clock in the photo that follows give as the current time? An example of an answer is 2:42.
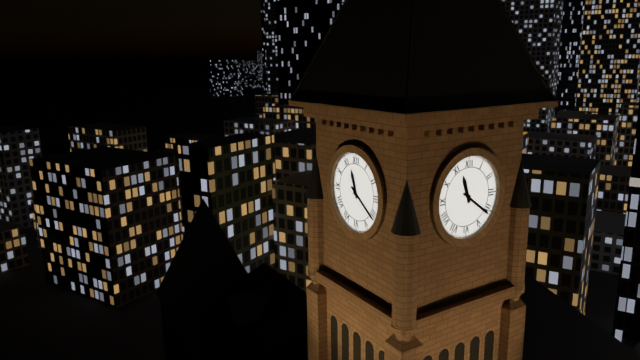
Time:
11:21
